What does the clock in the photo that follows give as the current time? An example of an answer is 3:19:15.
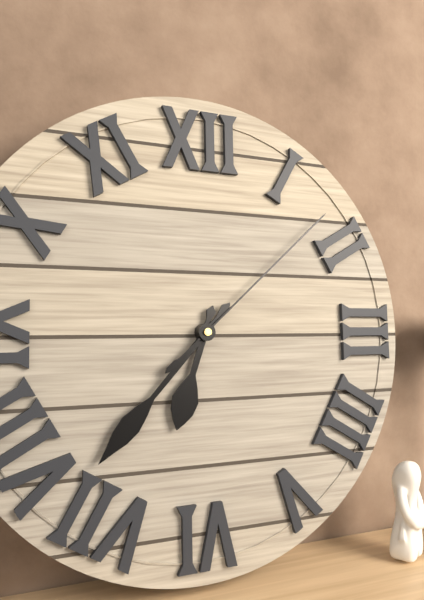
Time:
6:37:08
